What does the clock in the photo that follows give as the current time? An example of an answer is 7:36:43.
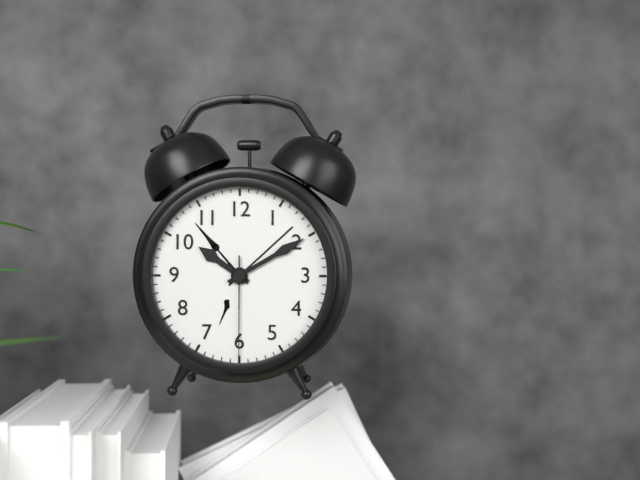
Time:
10:10:30
